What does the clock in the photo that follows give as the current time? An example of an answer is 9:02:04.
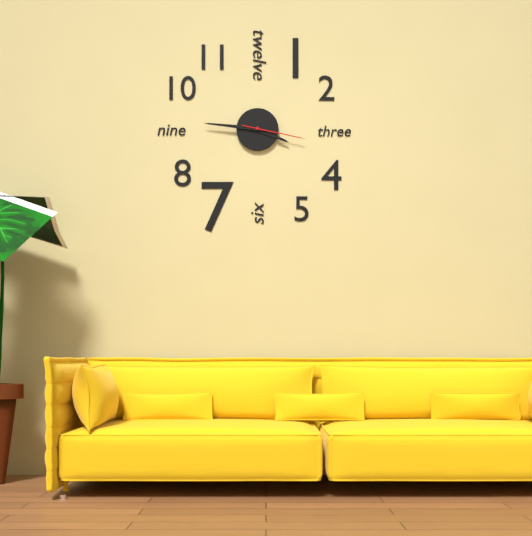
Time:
3:46:17
